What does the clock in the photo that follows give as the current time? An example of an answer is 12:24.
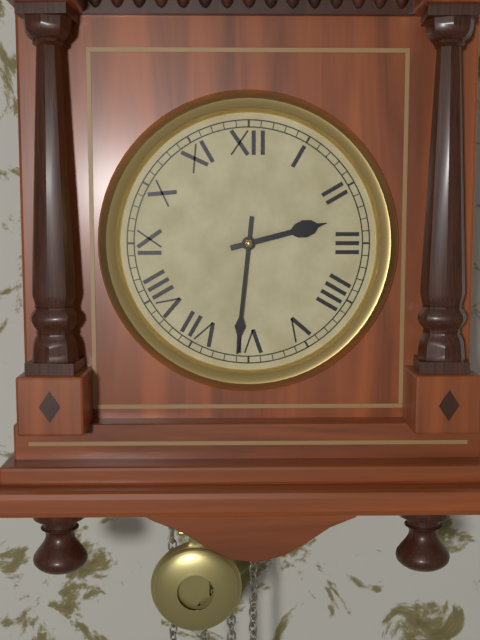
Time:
2:31
